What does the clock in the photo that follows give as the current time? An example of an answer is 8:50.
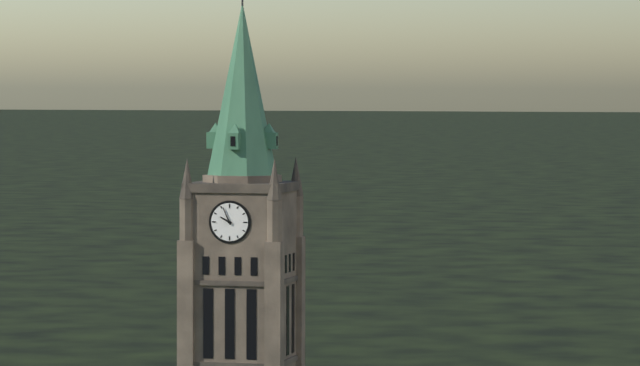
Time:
9:56
